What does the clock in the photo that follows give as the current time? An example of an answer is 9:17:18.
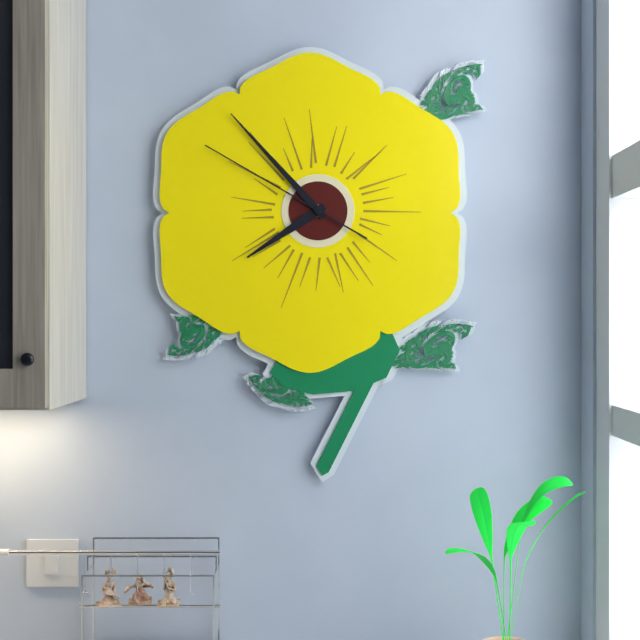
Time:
7:53:50
